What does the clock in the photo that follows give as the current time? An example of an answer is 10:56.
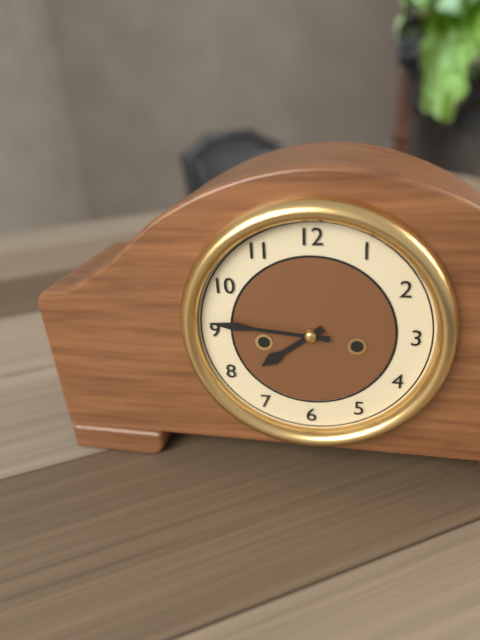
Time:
7:46
